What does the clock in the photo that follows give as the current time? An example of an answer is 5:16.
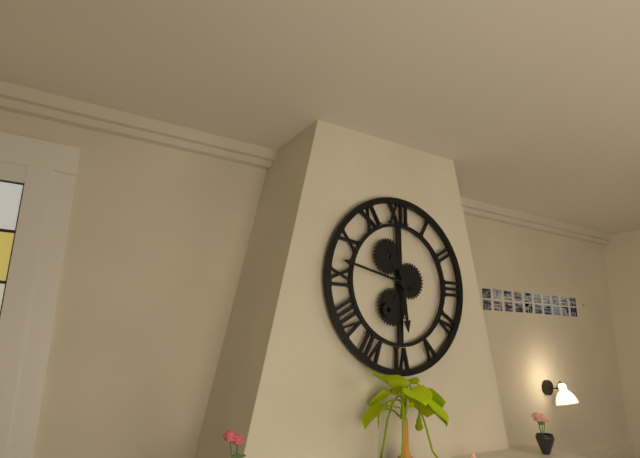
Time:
5:47
